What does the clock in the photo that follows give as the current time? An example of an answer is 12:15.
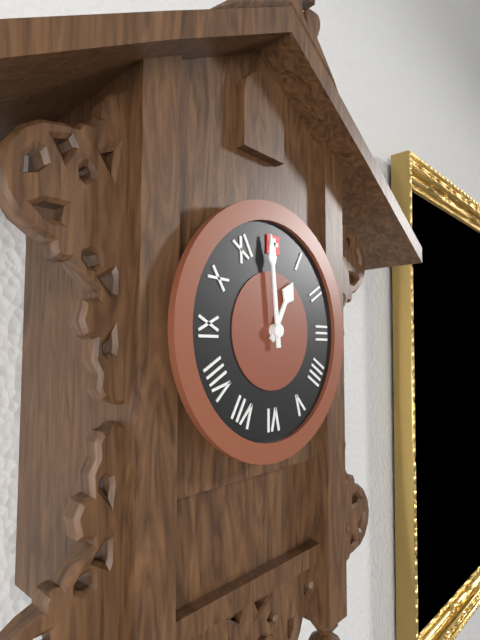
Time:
12:59
